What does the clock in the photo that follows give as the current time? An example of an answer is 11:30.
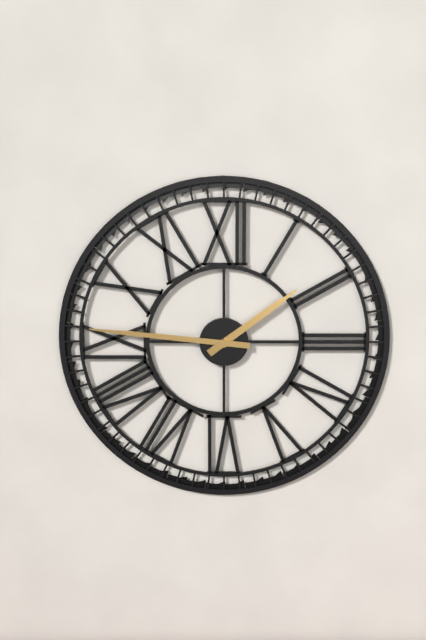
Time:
1:46
